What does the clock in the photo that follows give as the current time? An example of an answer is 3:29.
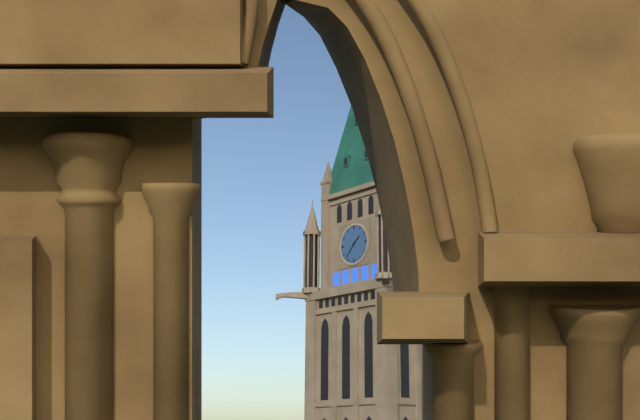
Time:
1:37
